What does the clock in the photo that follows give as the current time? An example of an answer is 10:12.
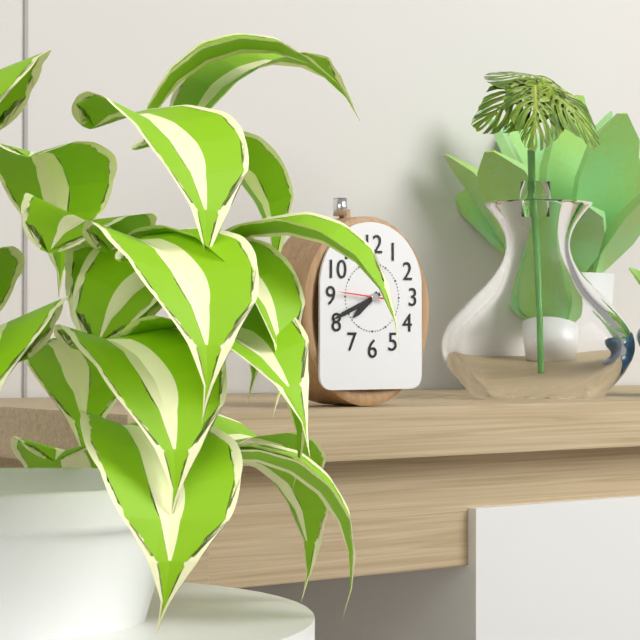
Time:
7:41
